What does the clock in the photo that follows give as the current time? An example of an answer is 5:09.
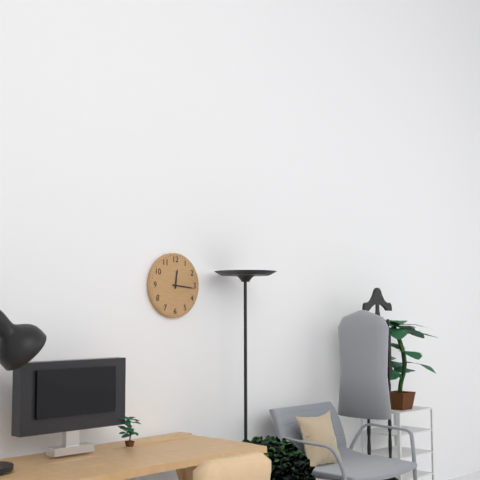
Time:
12:16
